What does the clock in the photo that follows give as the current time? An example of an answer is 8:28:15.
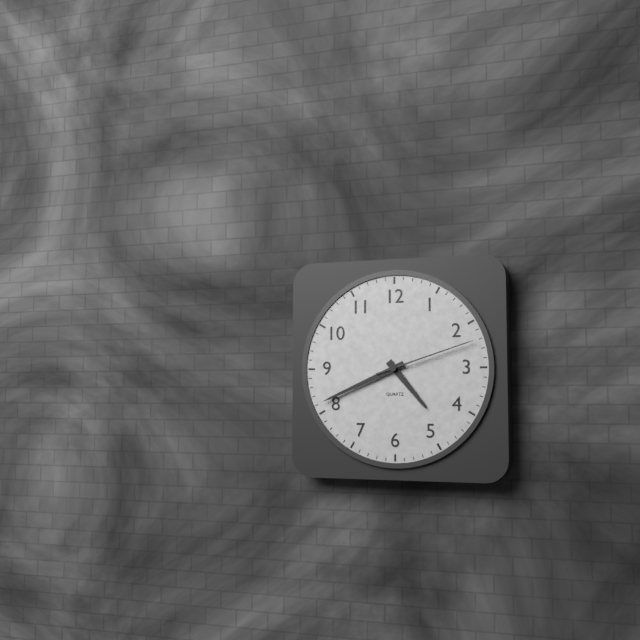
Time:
4:41:12
